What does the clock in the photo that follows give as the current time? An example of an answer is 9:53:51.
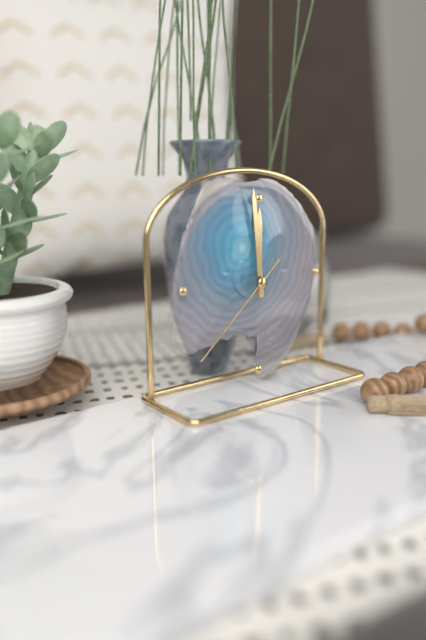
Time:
11:59:38
